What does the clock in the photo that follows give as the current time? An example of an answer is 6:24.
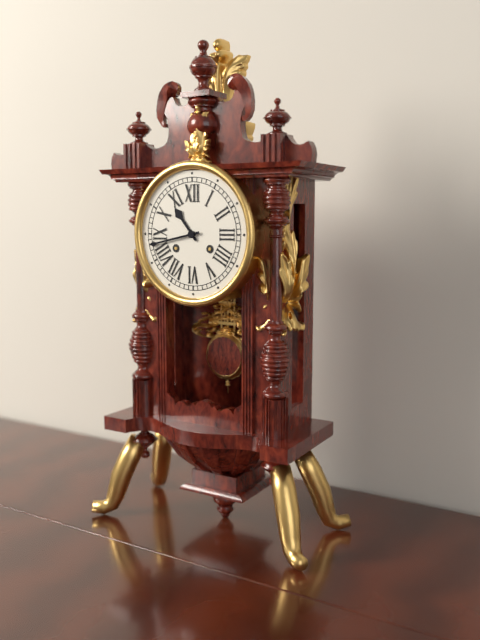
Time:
10:43
